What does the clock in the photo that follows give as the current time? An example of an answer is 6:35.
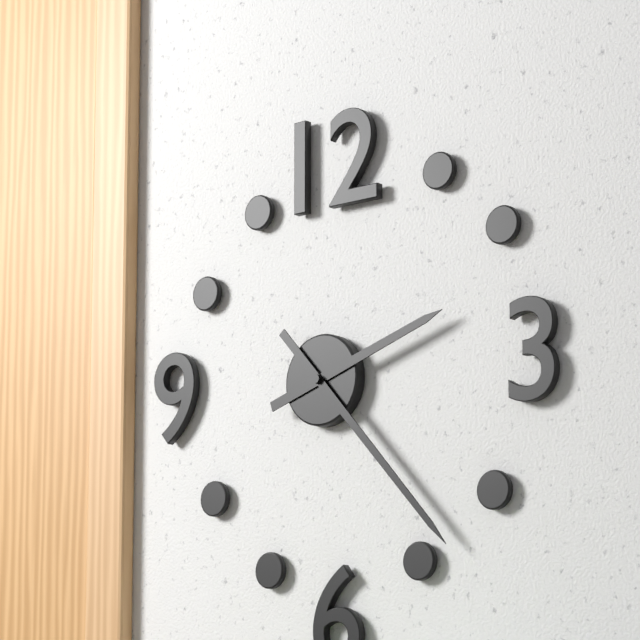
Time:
2:23
